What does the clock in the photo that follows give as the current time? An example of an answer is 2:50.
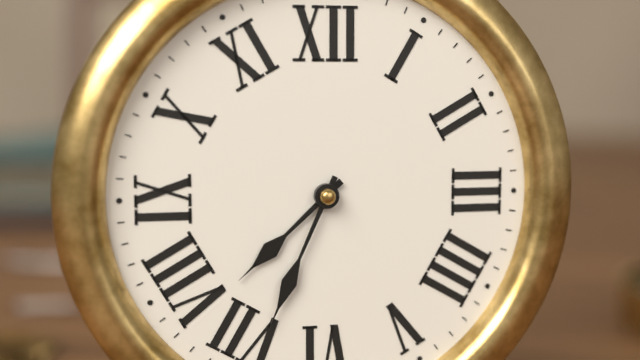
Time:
7:34
